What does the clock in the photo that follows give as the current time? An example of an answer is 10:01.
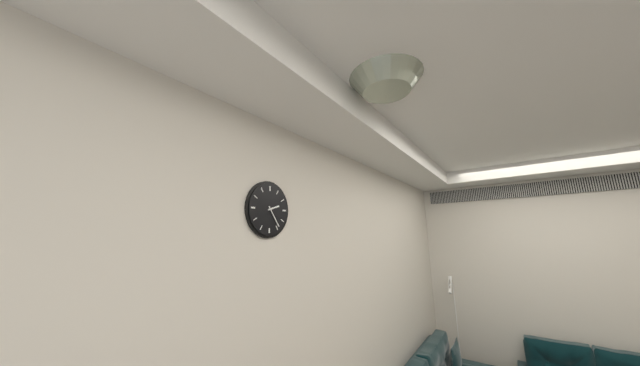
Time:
2:24
